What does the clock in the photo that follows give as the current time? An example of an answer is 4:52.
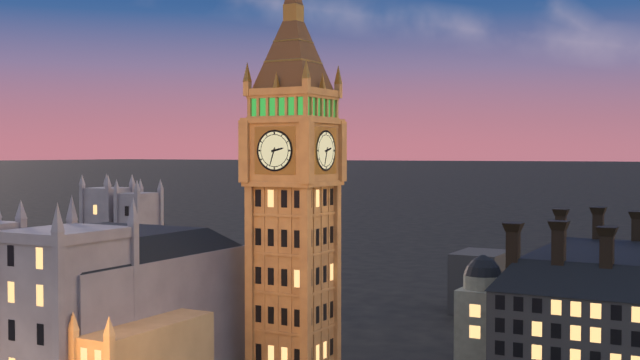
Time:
2:33
